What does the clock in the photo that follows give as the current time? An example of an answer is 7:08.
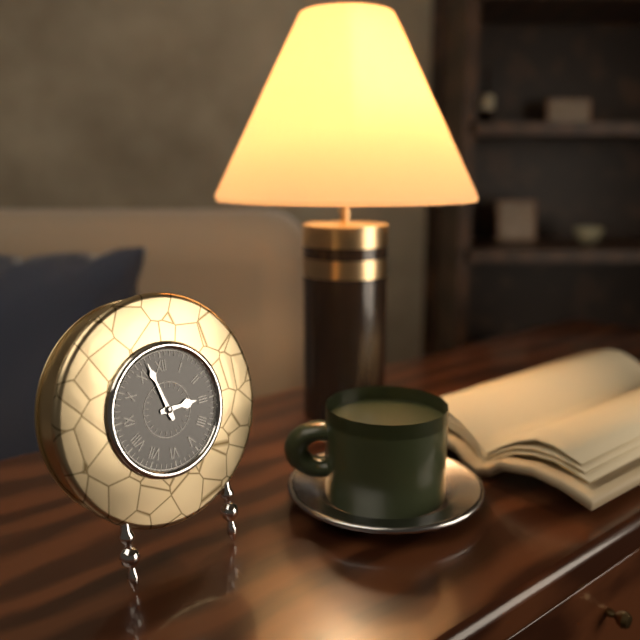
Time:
2:57
